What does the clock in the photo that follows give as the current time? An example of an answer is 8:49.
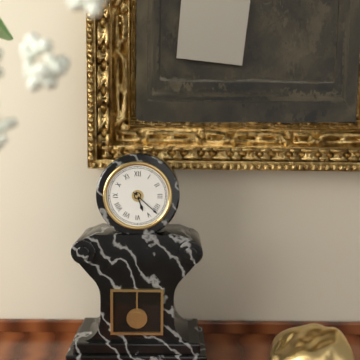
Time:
5:22
